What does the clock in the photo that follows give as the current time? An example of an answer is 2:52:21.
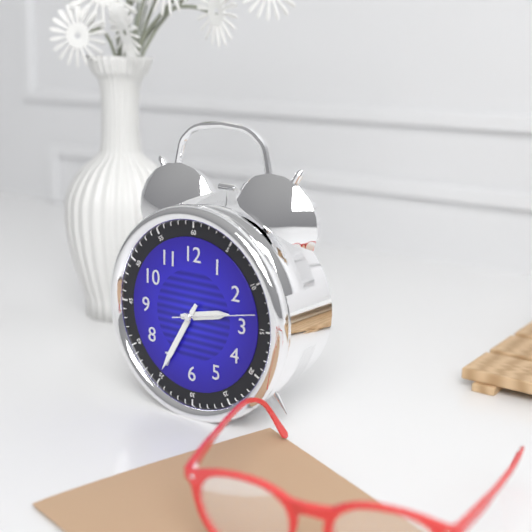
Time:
2:35:13
